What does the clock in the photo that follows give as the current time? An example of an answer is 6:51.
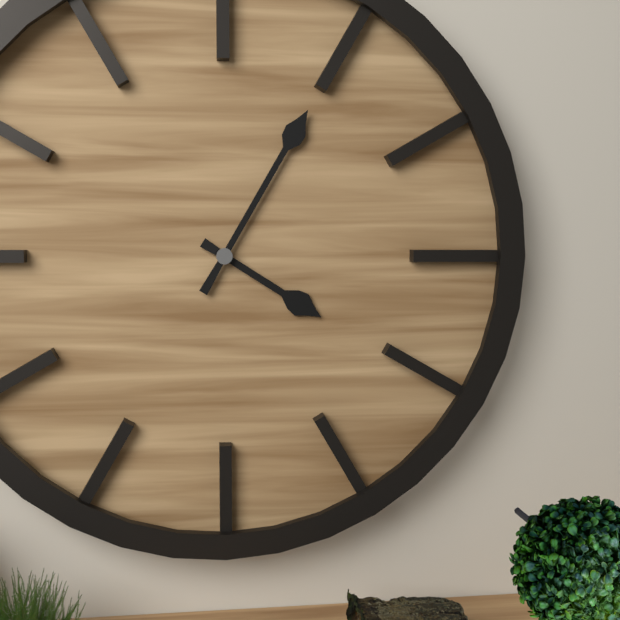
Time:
4:05
